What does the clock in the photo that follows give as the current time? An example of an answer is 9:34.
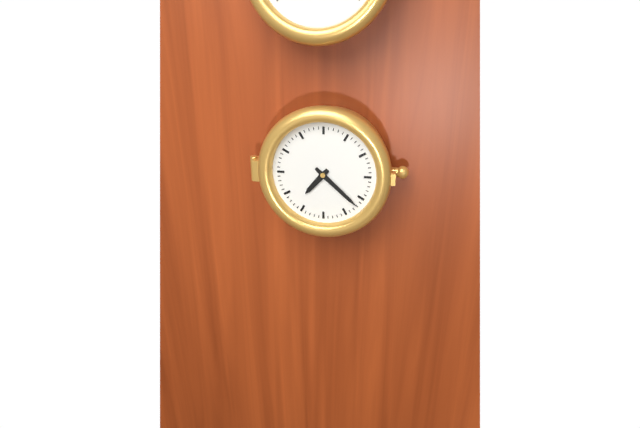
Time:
7:22
